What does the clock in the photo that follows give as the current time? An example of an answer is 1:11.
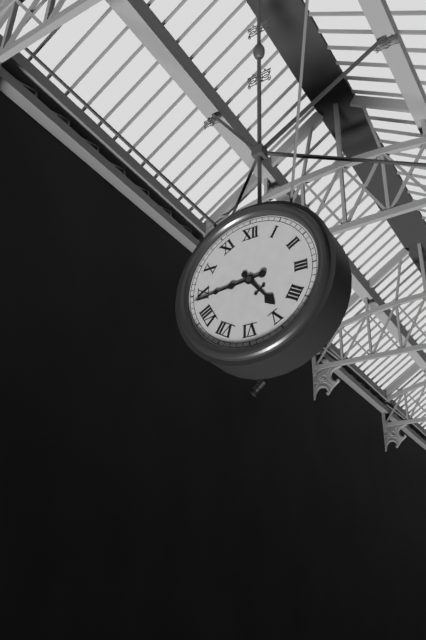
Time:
4:44
